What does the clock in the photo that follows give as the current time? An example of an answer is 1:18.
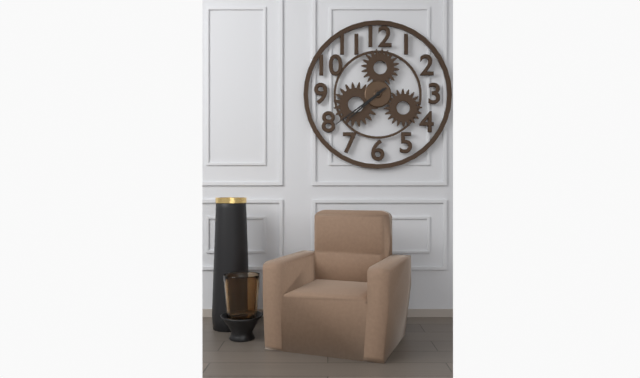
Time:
7:39
